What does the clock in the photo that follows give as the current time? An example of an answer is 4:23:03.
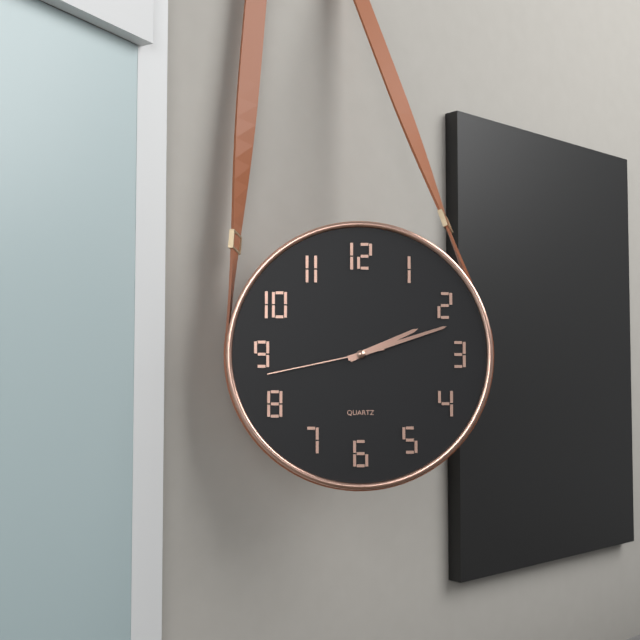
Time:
2:12:43
